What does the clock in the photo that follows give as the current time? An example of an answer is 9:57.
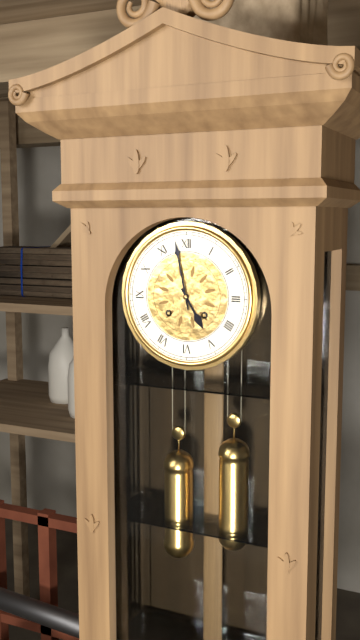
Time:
4:58
